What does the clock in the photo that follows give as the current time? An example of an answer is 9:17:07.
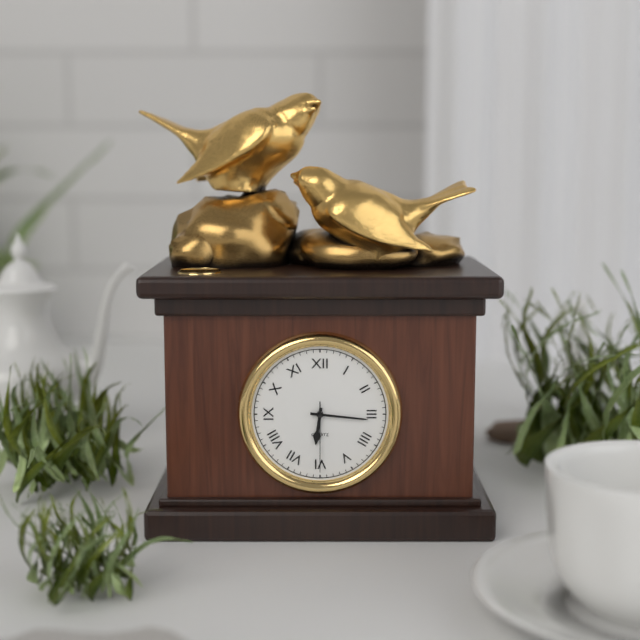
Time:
6:16:30
